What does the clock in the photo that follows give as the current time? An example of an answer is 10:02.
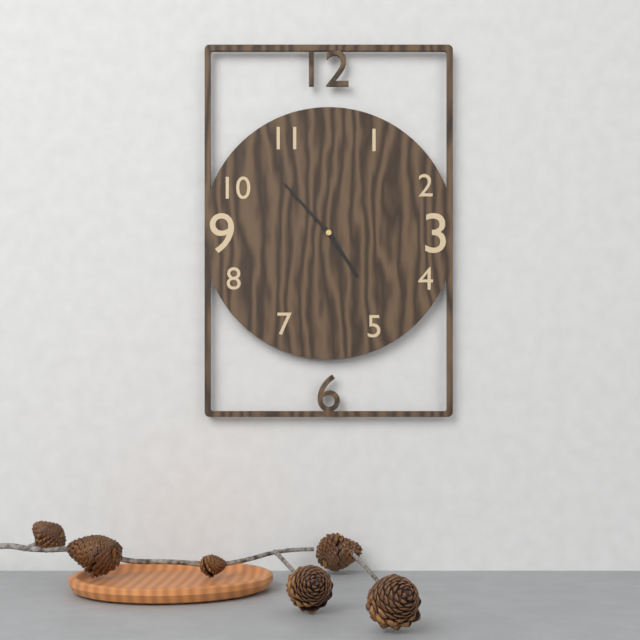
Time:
4:53
